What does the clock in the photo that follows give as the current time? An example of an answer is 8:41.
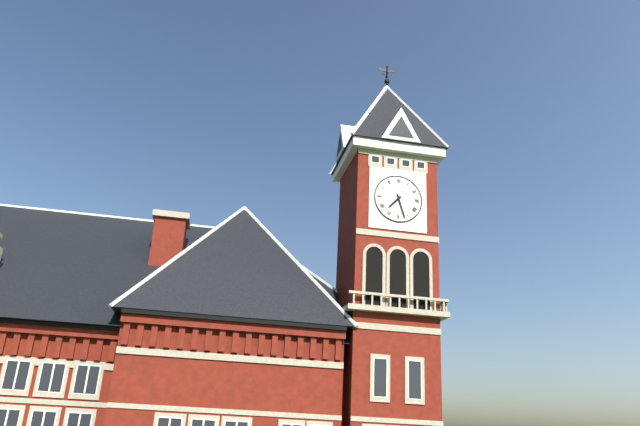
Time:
7:27
